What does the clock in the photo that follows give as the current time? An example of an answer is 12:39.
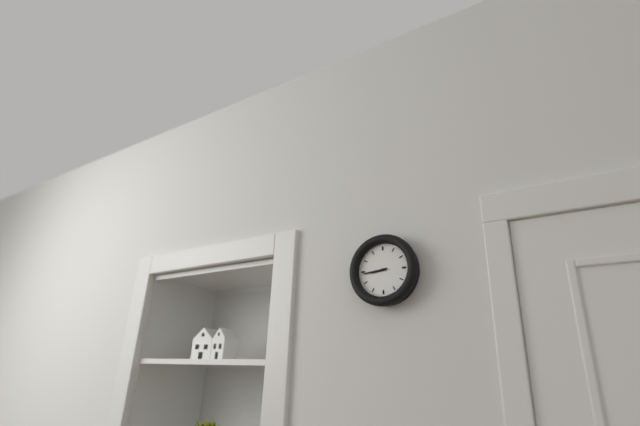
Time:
8:44
